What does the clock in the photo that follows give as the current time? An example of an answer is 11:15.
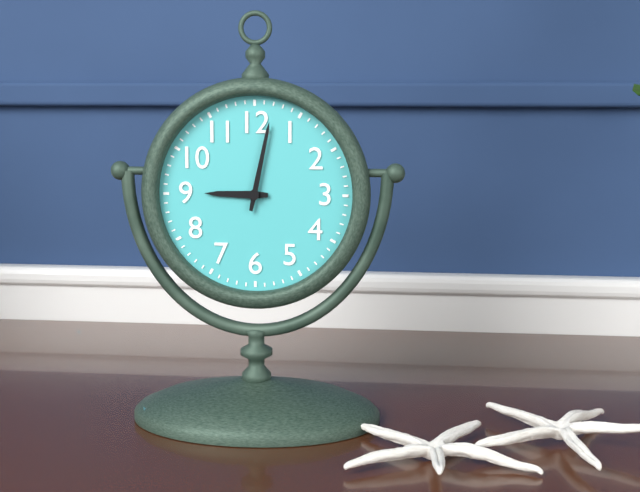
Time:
9:02
